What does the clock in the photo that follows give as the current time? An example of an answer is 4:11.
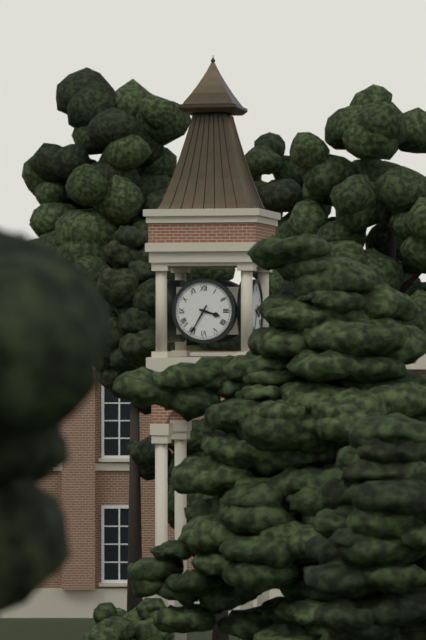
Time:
3:35
